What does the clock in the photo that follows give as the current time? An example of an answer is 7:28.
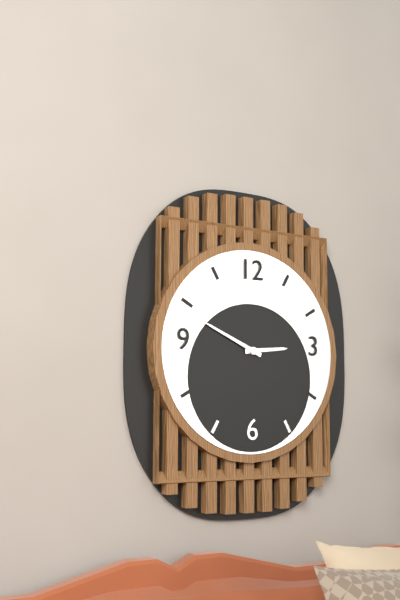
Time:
2:49
